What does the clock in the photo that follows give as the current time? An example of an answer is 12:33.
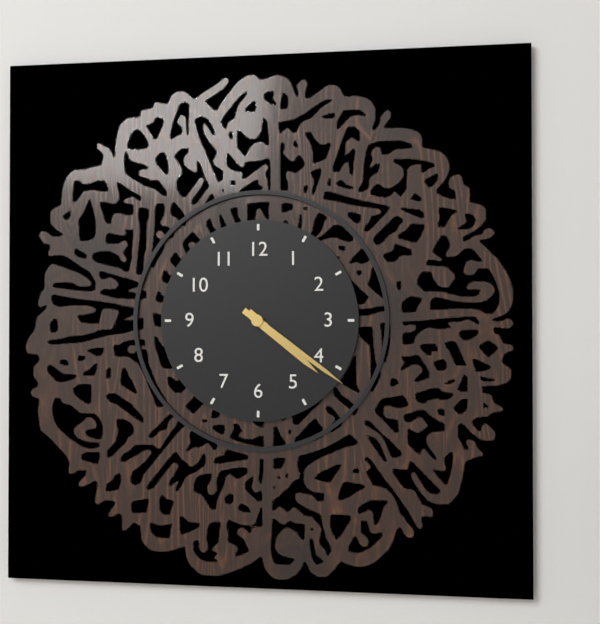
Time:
4:21
